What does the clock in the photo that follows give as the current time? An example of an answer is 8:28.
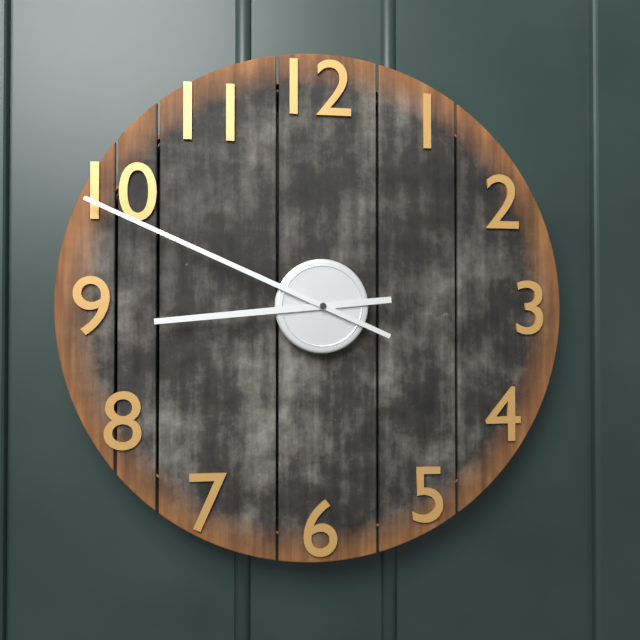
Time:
8:49
